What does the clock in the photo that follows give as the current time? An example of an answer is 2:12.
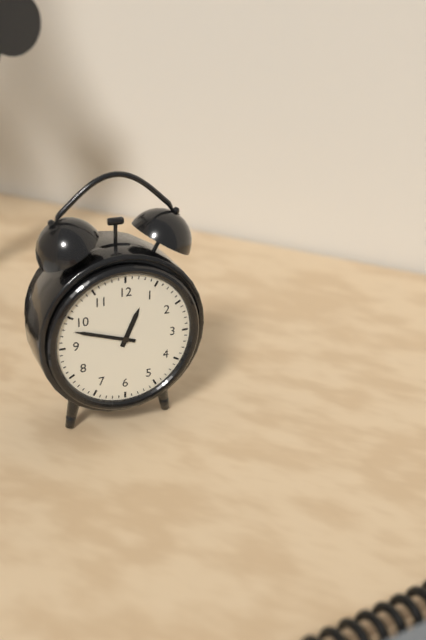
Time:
12:48
